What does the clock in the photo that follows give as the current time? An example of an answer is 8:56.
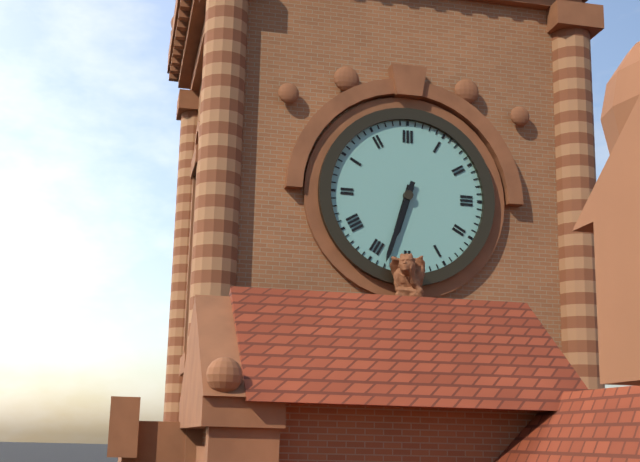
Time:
6:33
